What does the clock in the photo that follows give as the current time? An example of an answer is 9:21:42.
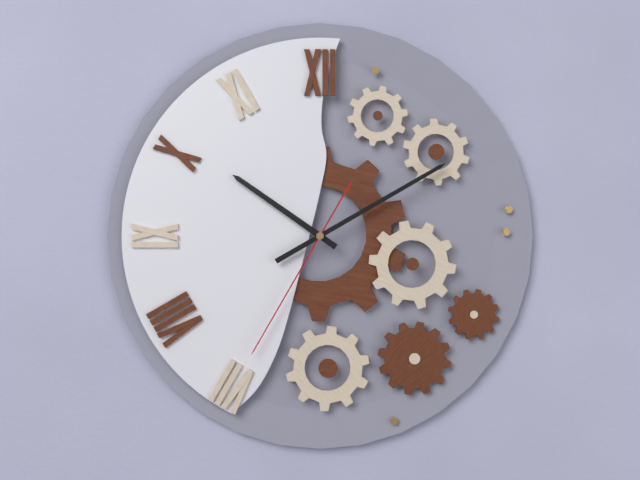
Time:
10:10:35
